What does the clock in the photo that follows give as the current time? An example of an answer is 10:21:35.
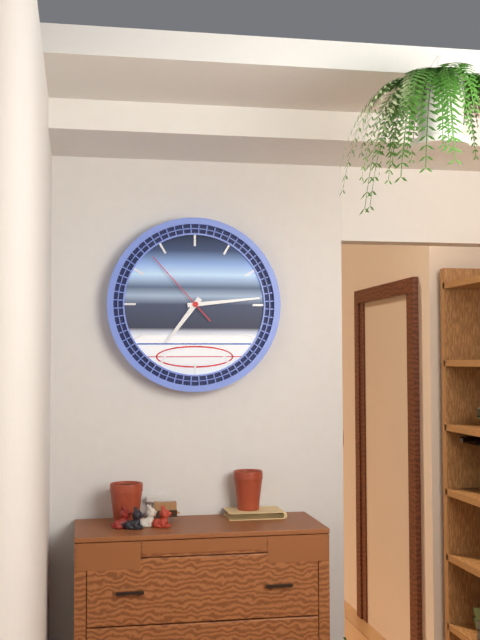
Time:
7:14:53
